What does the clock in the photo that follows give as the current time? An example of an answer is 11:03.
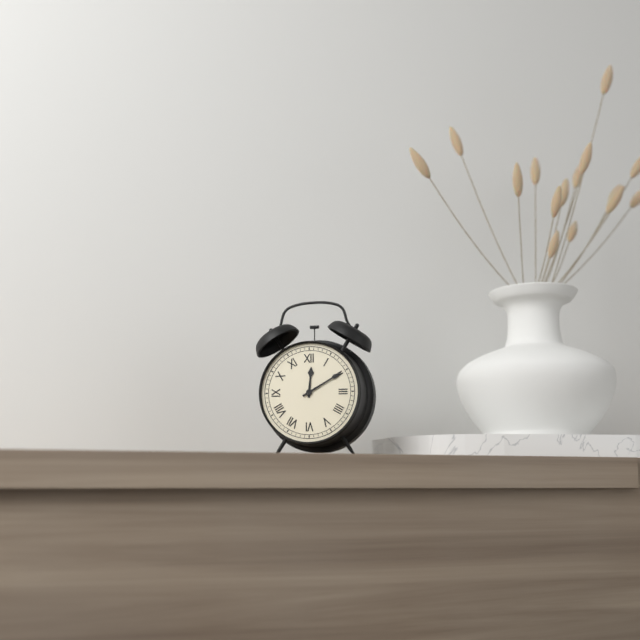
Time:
12:10
